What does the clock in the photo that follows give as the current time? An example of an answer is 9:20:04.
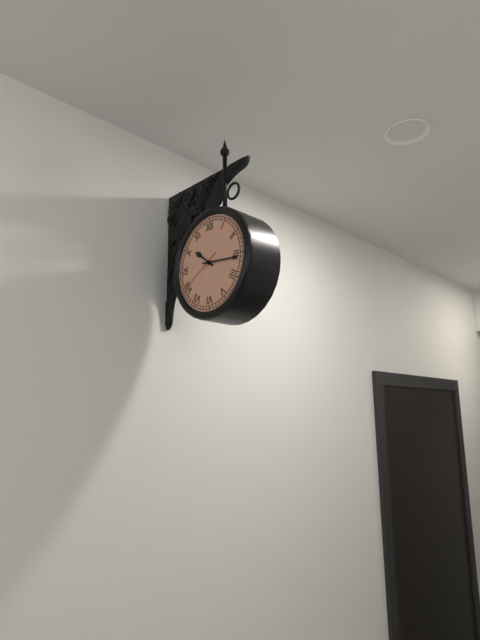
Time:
10:16:40
